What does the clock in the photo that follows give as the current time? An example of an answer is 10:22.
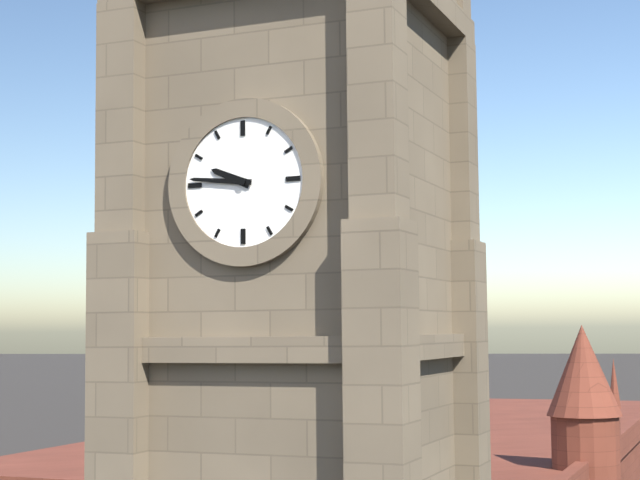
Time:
9:46
